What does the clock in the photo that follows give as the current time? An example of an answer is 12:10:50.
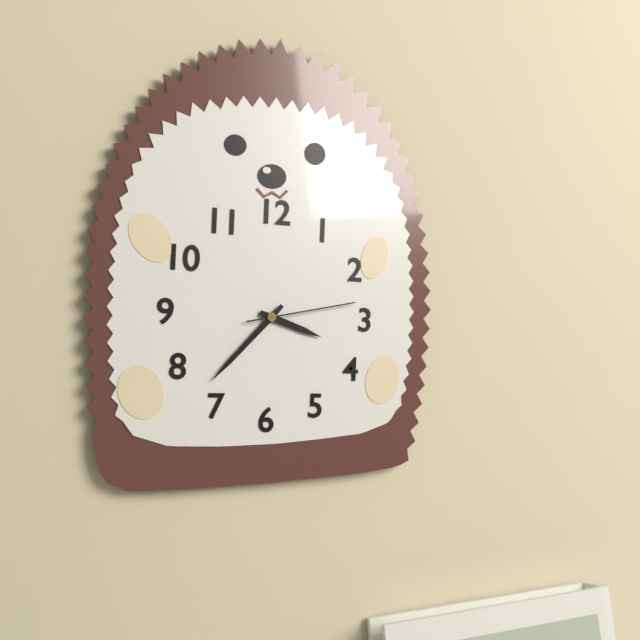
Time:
3:37:13
